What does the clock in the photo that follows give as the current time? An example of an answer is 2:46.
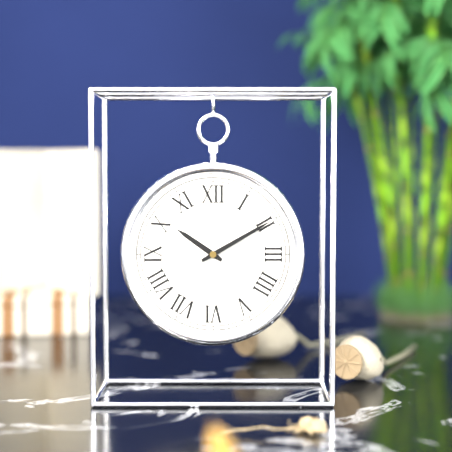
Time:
10:10
